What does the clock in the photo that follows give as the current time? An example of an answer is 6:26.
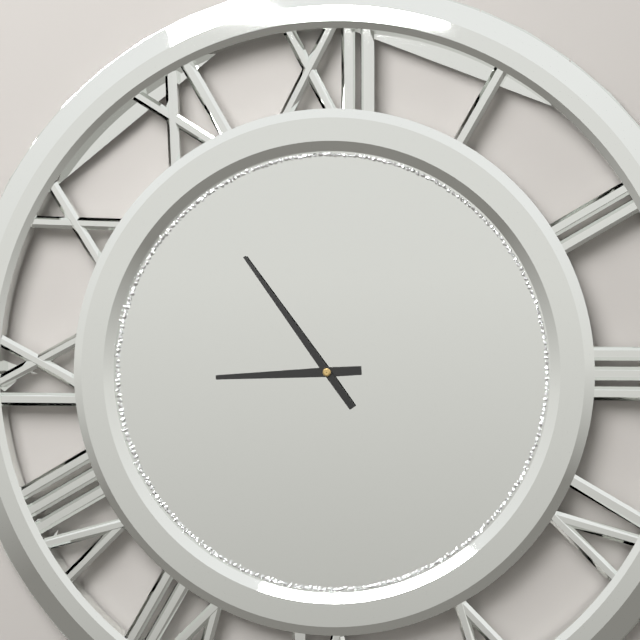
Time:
8:54
